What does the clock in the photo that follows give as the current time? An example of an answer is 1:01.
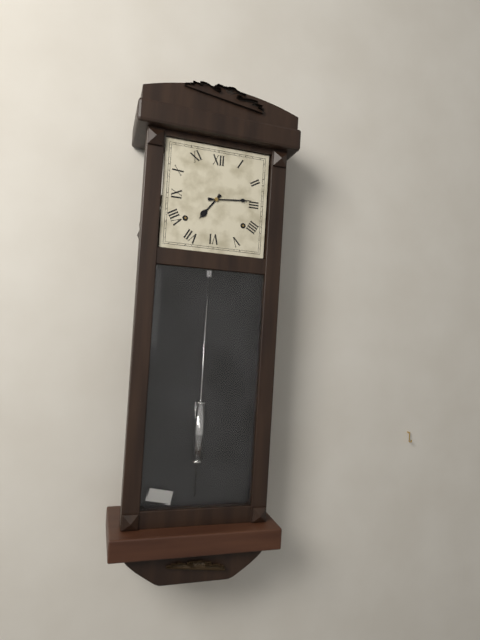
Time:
7:14
